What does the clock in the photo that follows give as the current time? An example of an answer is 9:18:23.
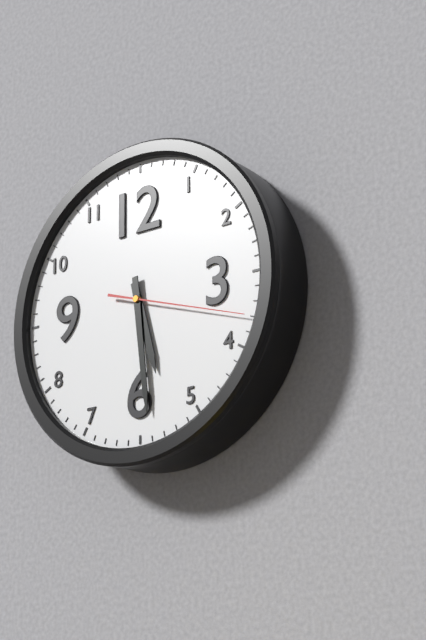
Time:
5:29:18
